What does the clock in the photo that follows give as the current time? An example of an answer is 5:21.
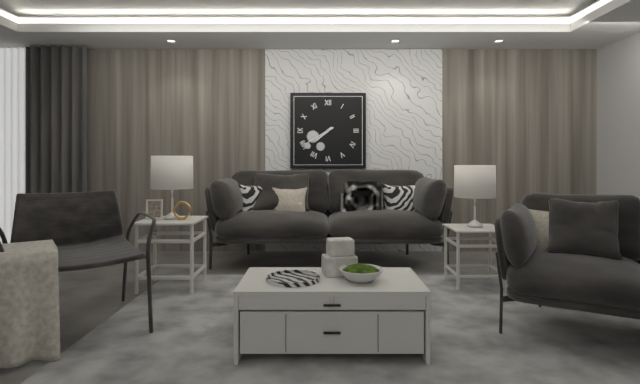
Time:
7:40
